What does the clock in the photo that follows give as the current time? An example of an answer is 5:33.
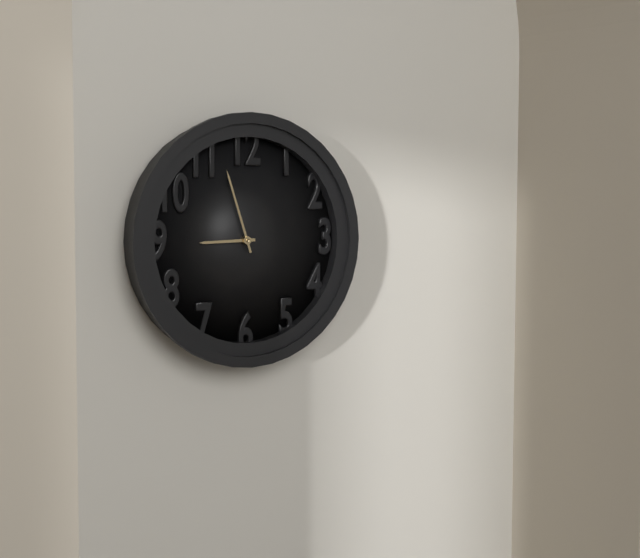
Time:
8:57
